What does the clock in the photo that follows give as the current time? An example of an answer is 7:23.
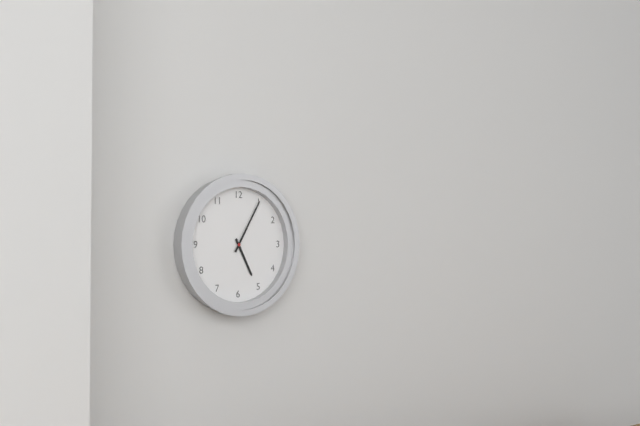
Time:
5:05
